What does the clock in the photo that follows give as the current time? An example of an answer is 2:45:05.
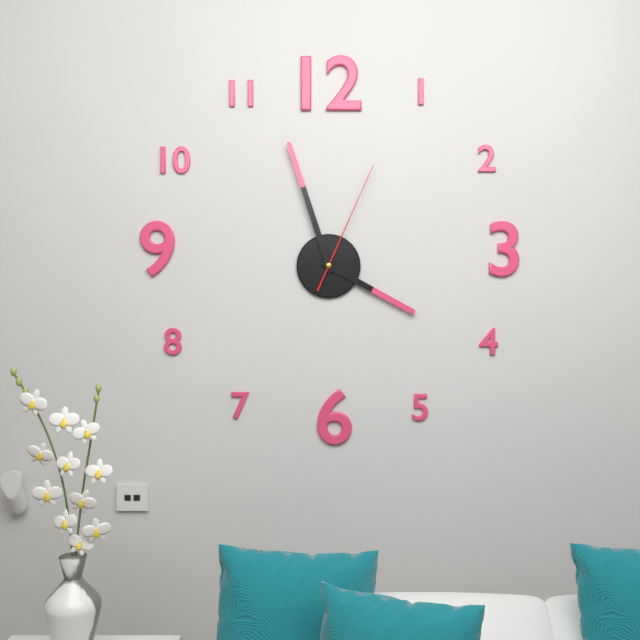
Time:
3:57:04
